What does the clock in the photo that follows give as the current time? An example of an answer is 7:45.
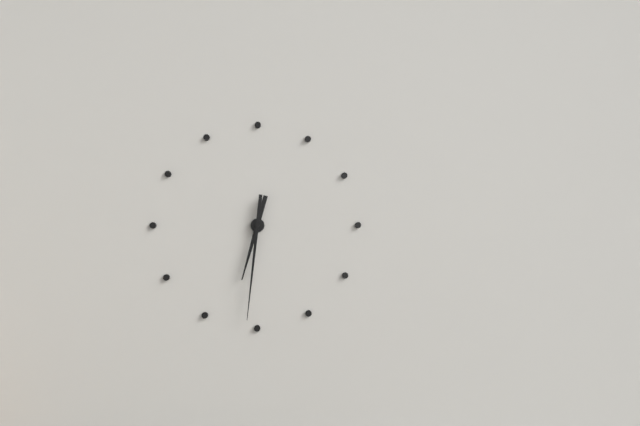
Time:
6:31
